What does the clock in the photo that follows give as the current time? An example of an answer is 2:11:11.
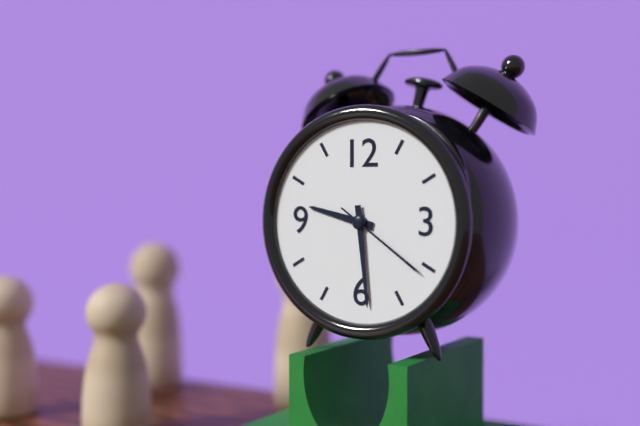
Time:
9:29:21
